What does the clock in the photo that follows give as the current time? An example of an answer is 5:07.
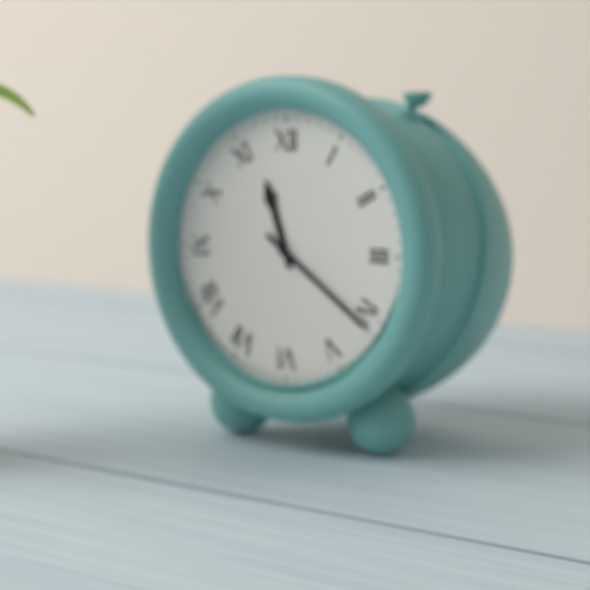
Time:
11:21
